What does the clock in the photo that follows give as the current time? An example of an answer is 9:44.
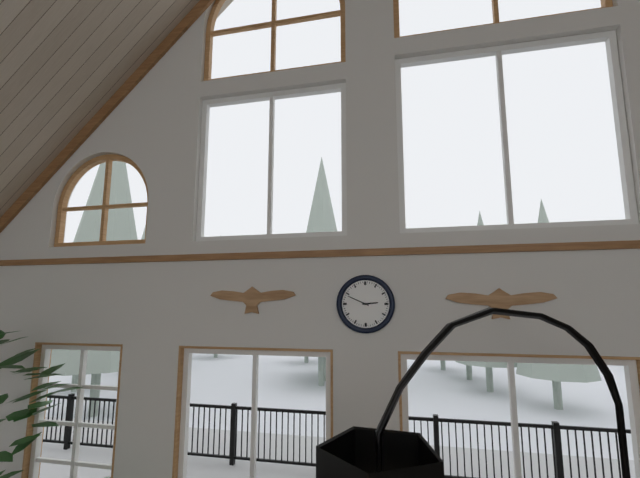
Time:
2:49
